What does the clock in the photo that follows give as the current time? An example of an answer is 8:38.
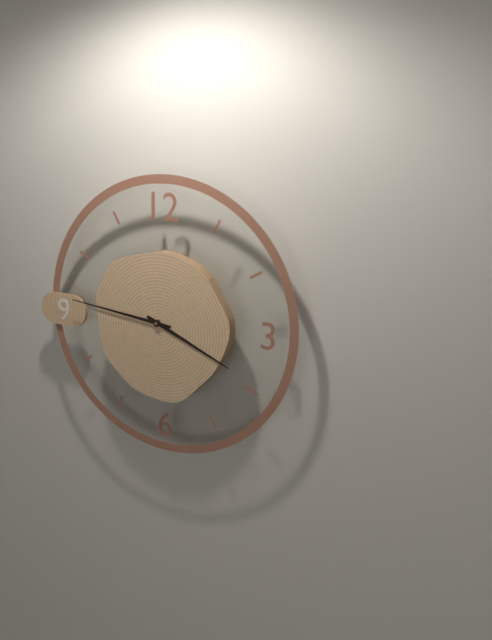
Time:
3:46
